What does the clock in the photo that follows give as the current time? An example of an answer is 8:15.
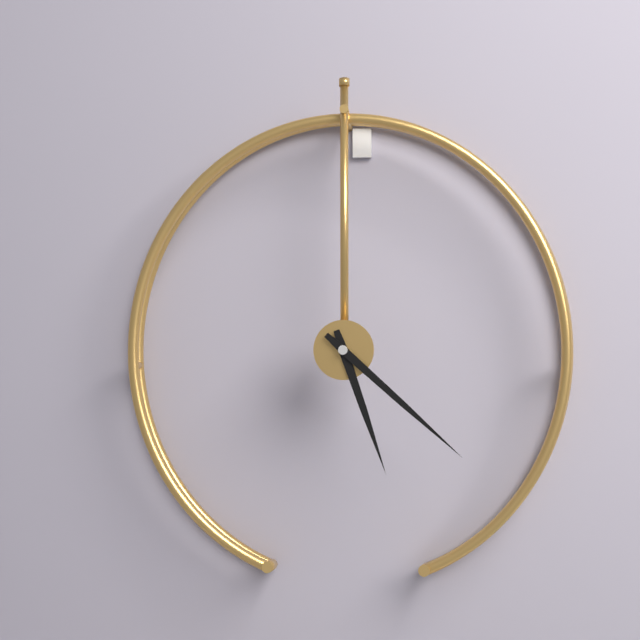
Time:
5:22
